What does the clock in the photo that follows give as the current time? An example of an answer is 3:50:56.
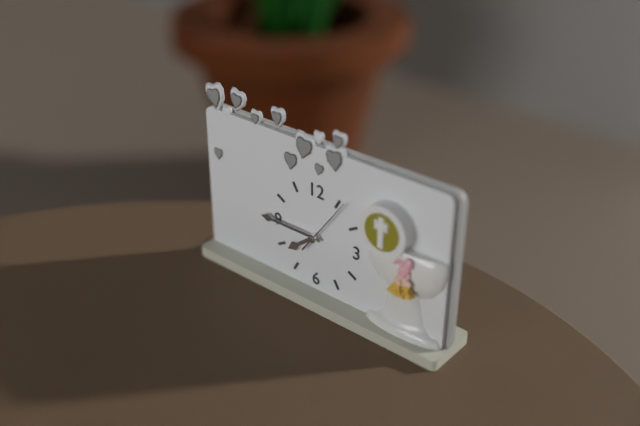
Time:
7:45:06
